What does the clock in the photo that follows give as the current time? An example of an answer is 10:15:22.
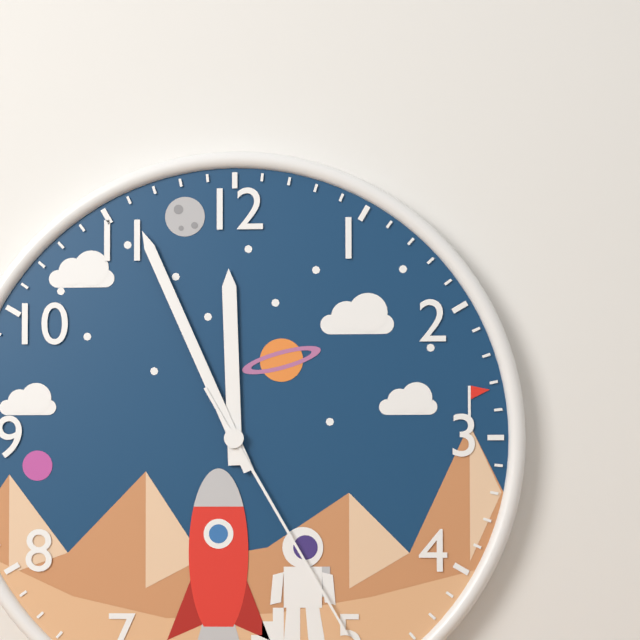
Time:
11:56:25
